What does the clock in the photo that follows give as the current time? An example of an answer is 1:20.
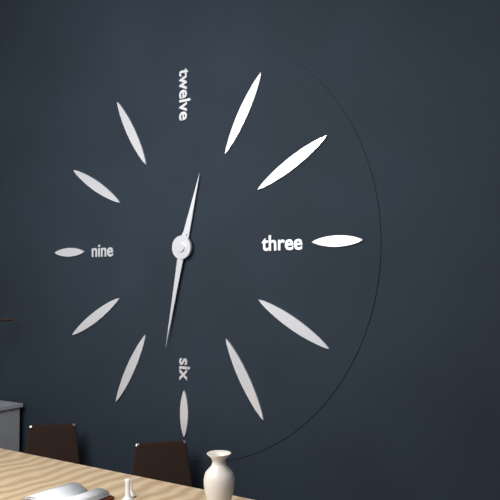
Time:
12:32
